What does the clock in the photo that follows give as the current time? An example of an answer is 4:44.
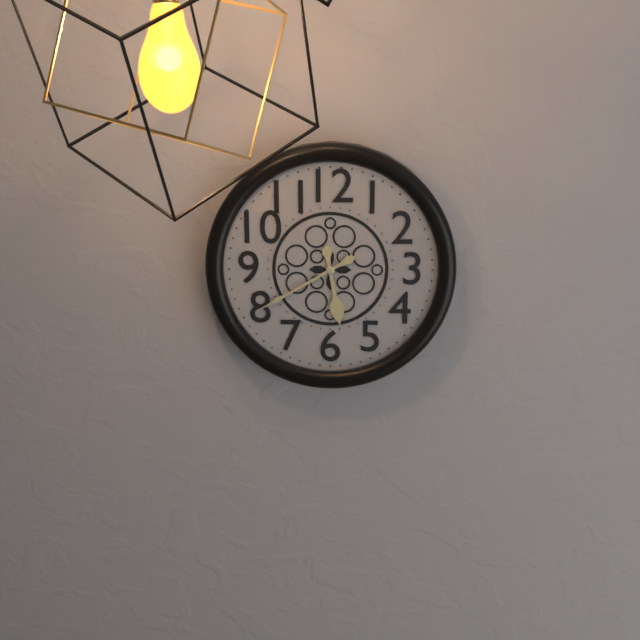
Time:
5:40
